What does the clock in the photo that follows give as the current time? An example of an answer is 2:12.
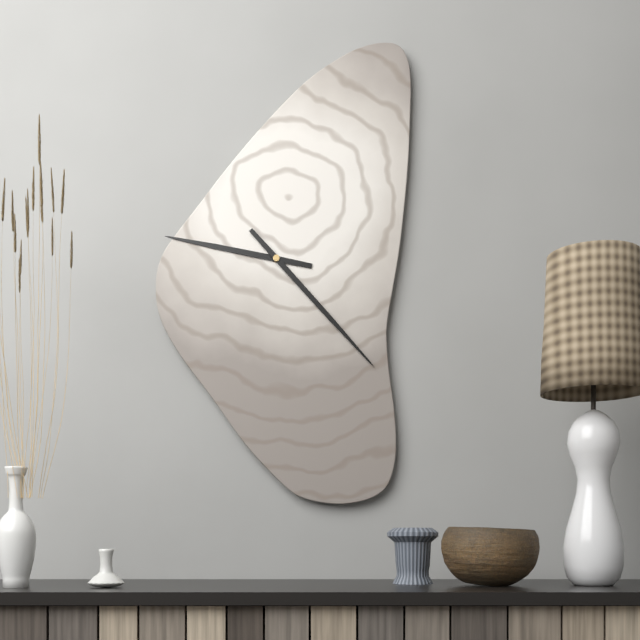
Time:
9:23
